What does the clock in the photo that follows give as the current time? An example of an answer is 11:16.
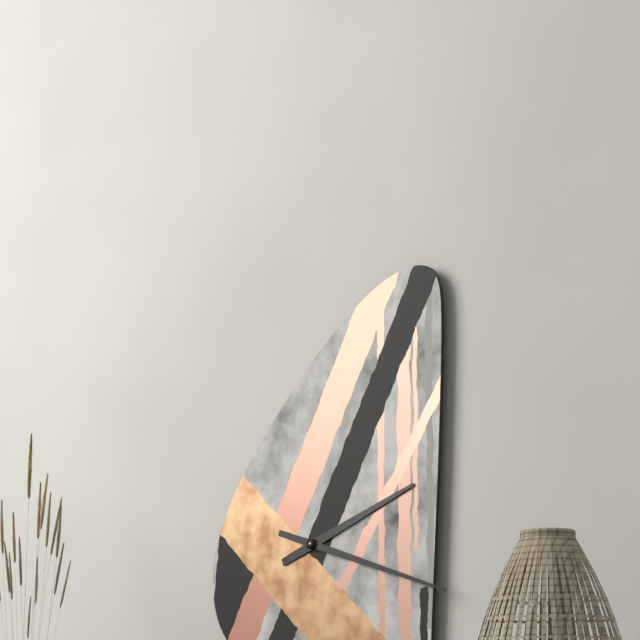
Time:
2:18
